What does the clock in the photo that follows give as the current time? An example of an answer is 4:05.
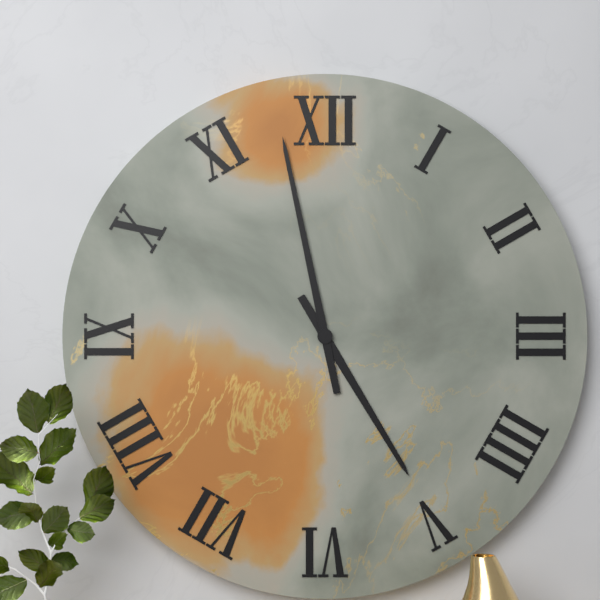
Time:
4:58
